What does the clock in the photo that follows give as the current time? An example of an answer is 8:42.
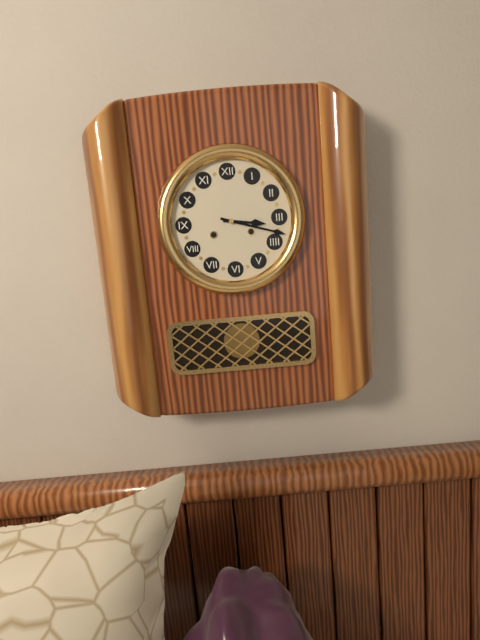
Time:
3:18
